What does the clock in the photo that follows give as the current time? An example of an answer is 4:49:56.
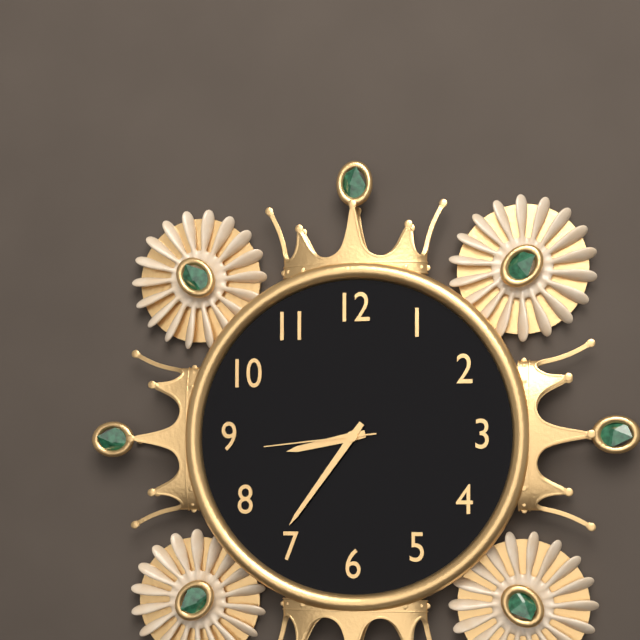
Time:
8:36:44
